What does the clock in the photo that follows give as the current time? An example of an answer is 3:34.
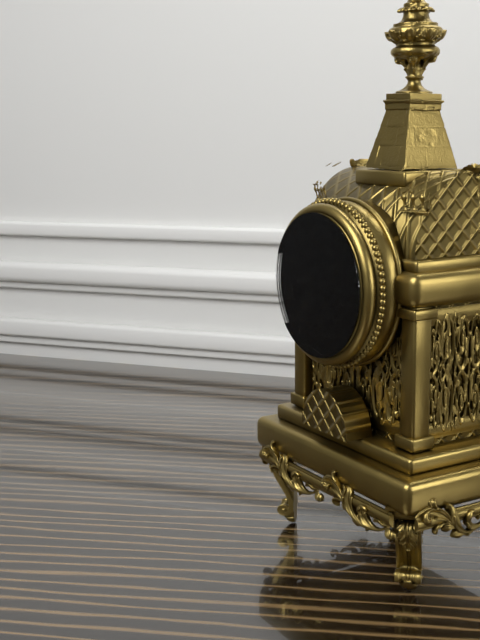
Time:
5:56
